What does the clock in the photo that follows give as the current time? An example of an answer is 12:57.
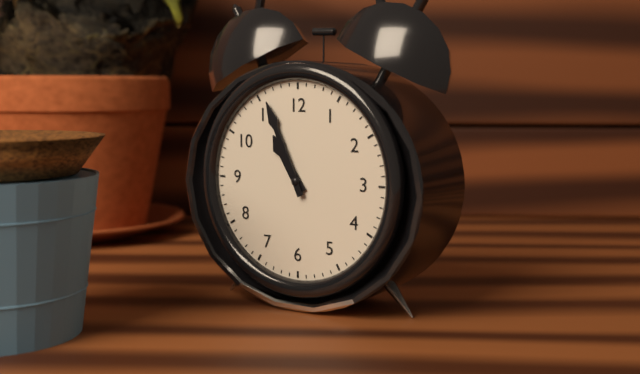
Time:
10:56
